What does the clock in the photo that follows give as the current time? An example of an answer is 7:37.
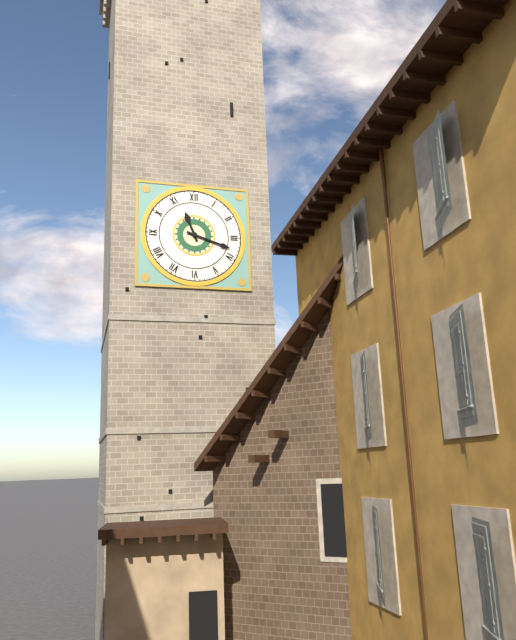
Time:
11:18
